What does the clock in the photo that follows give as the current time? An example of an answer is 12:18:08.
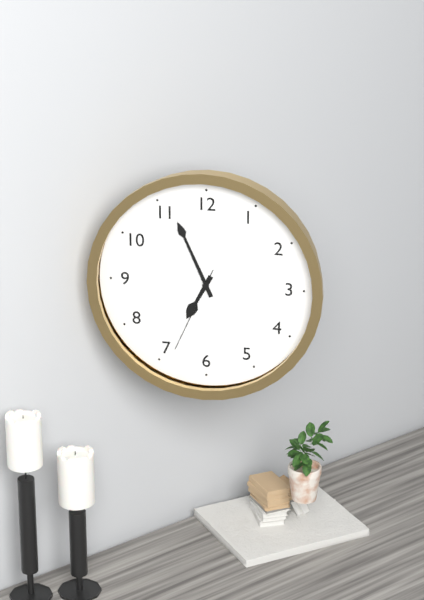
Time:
6:56:34
